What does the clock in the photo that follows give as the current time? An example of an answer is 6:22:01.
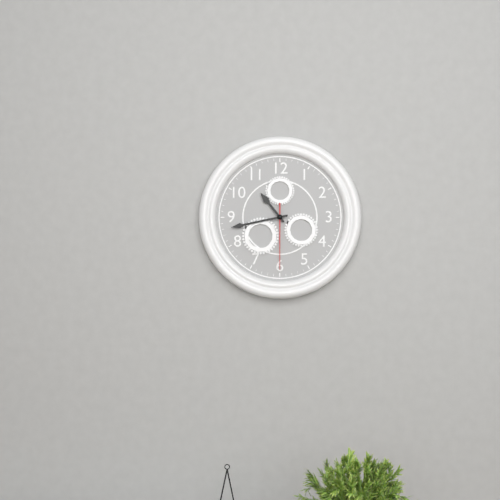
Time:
10:43:30
